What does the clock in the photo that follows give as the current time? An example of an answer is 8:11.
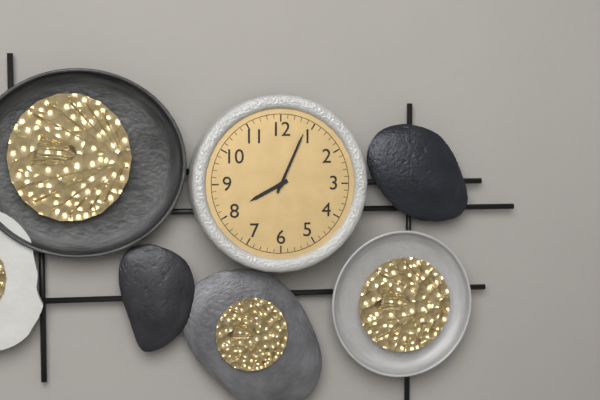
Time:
8:04
